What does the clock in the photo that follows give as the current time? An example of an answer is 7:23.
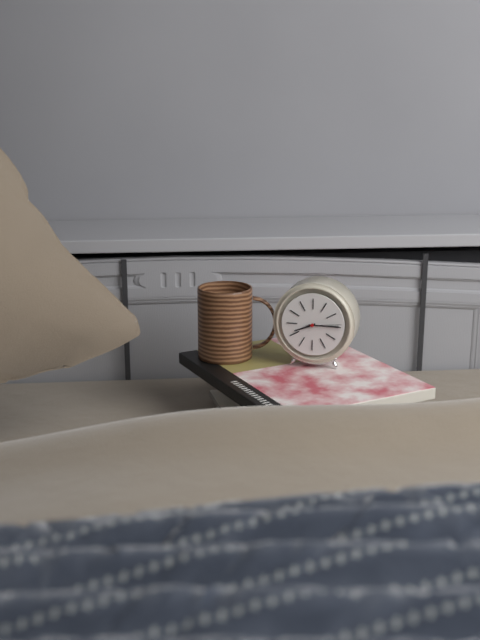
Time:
8:15
